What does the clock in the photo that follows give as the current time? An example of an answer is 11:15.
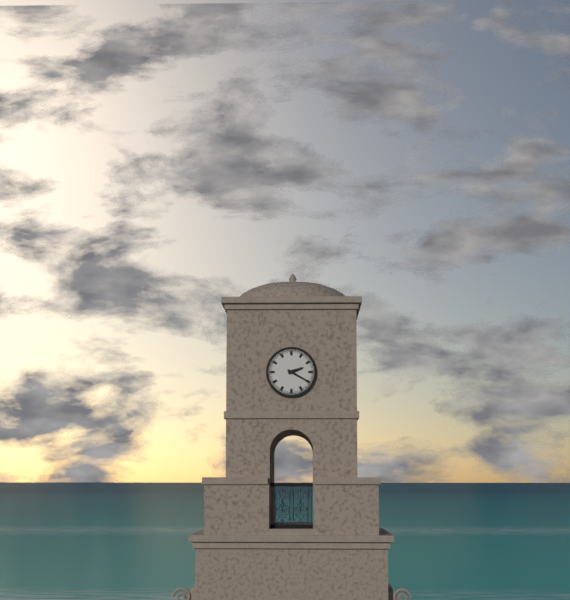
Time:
2:20
